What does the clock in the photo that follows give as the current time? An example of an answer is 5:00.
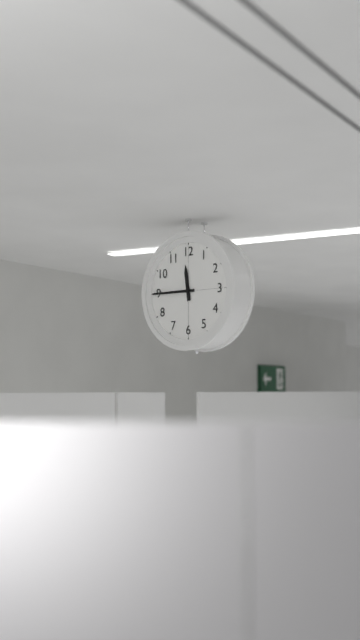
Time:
11:45
